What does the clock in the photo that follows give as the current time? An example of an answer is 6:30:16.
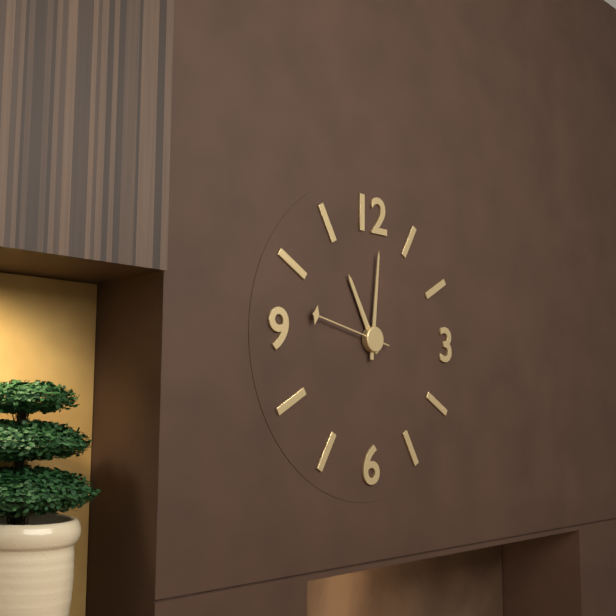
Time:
11:01:47
